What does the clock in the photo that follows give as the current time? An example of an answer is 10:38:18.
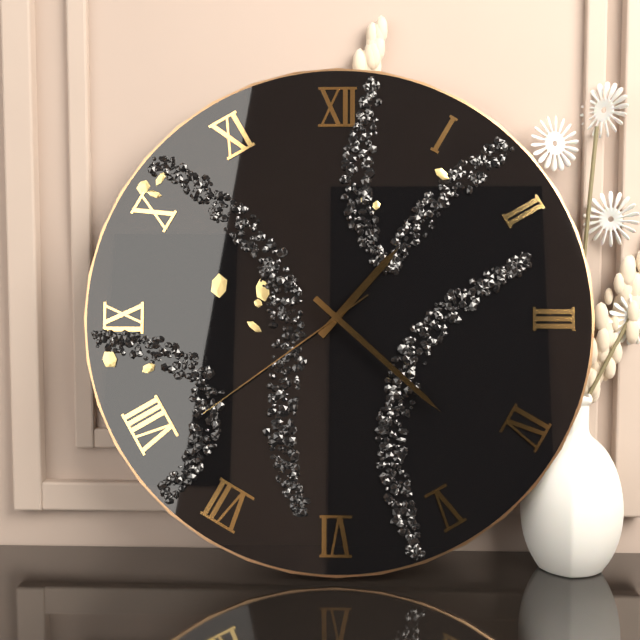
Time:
1:22:39
